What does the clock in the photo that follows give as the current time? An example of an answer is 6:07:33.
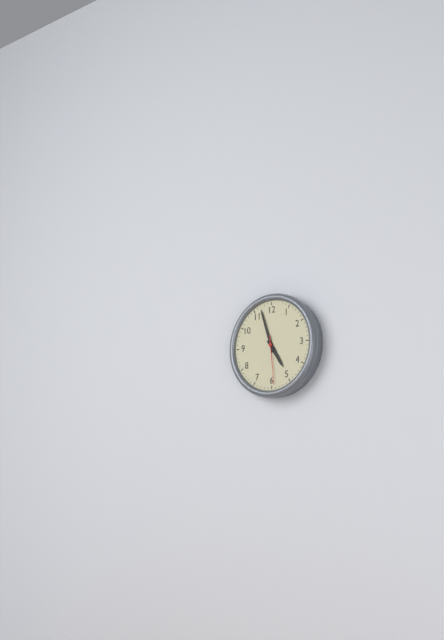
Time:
4:57:29
